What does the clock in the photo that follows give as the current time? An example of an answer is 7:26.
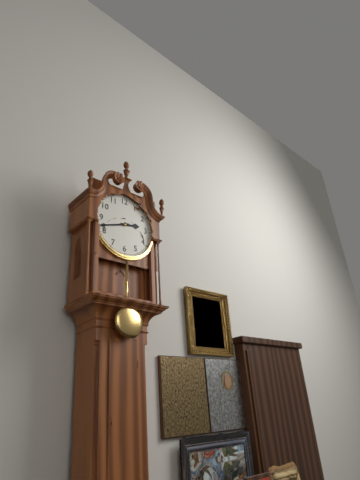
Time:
2:42
